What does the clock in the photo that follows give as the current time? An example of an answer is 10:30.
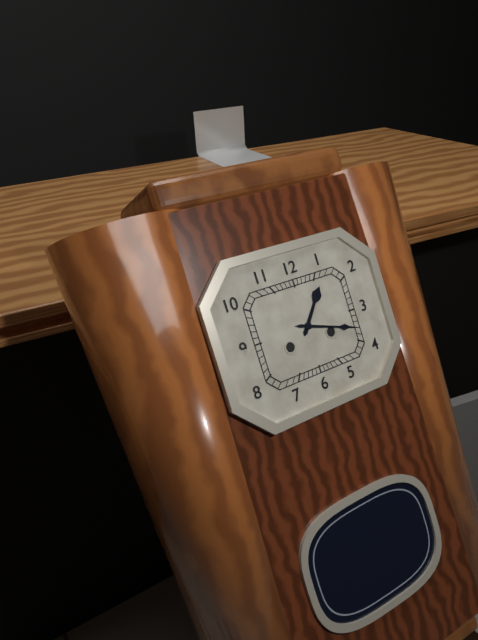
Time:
1:18
